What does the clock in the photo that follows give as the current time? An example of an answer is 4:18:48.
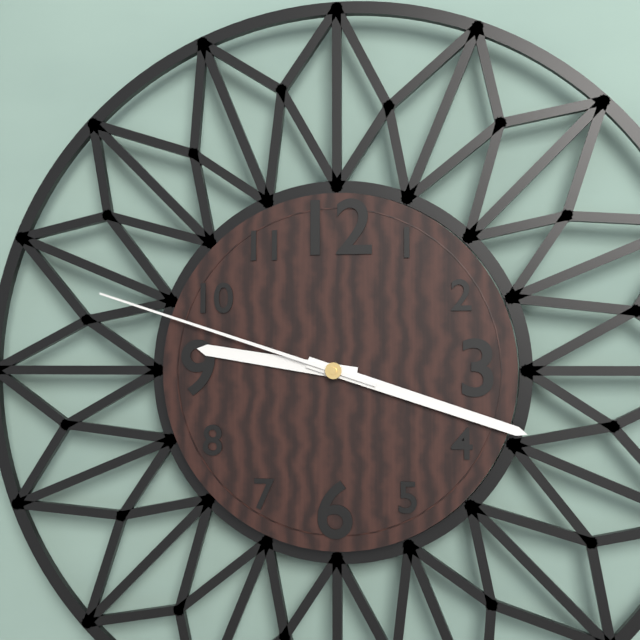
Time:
9:18:48
